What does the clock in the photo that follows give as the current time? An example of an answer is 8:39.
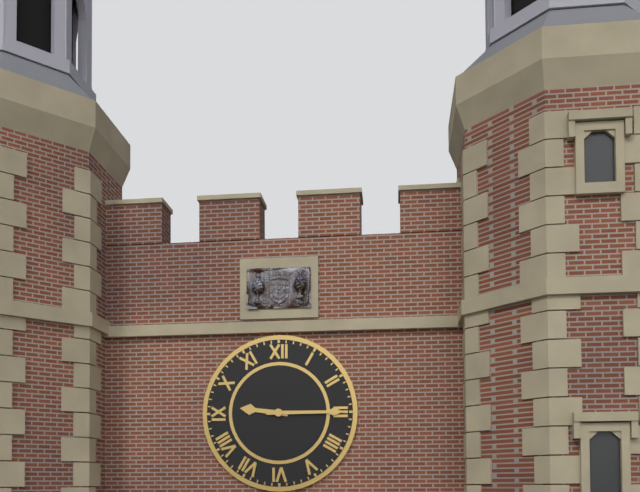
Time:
9:15
